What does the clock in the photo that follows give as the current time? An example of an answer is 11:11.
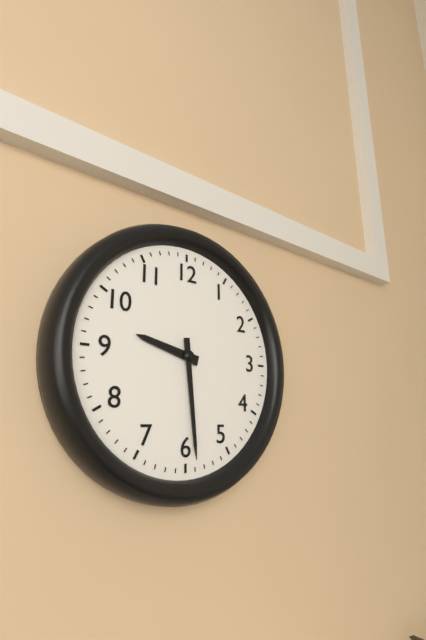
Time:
9:29
